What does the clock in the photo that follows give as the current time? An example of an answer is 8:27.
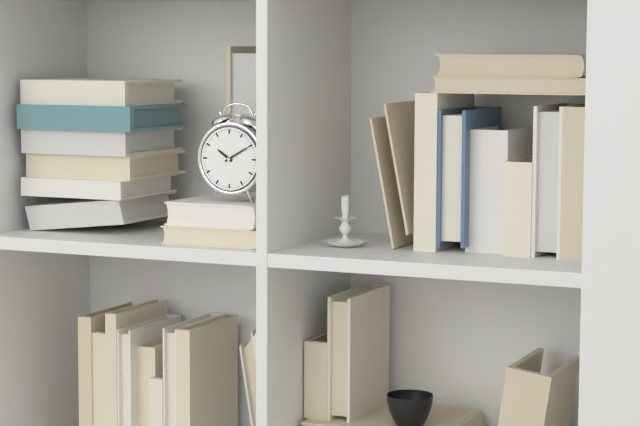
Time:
10:10
